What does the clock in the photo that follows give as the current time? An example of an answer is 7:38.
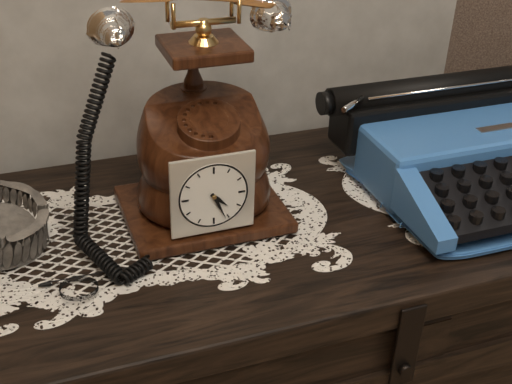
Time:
4:26
